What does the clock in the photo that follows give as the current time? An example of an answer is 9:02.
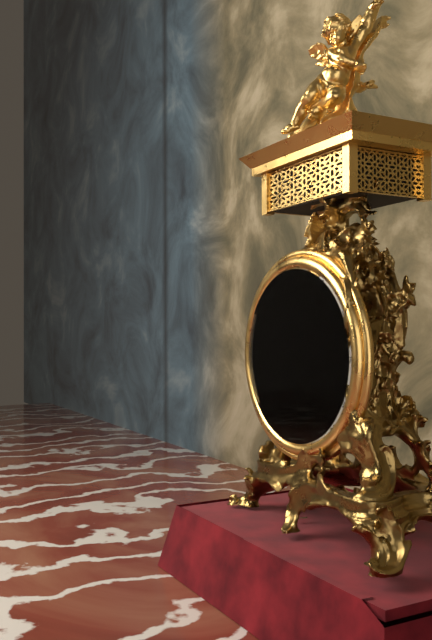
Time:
6:43
